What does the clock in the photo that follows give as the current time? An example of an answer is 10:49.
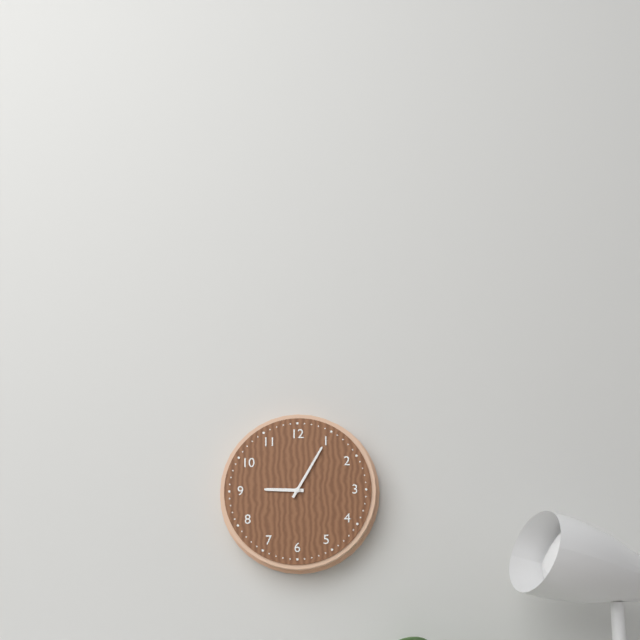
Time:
9:05
